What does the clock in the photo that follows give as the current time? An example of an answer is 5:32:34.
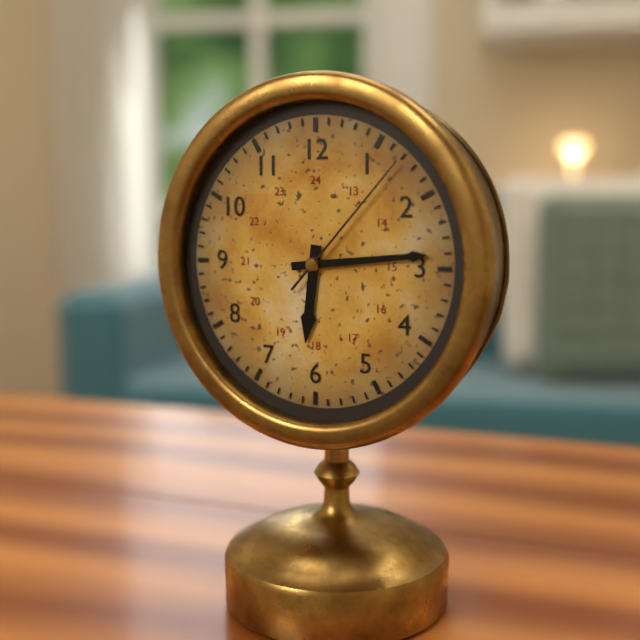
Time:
6:14:07
